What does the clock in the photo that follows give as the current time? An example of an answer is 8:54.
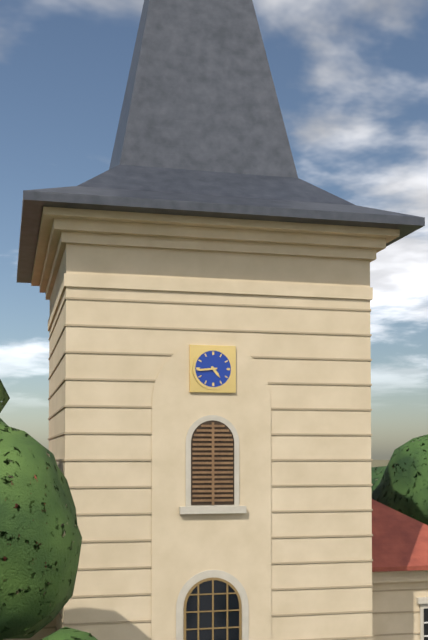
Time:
4:44
